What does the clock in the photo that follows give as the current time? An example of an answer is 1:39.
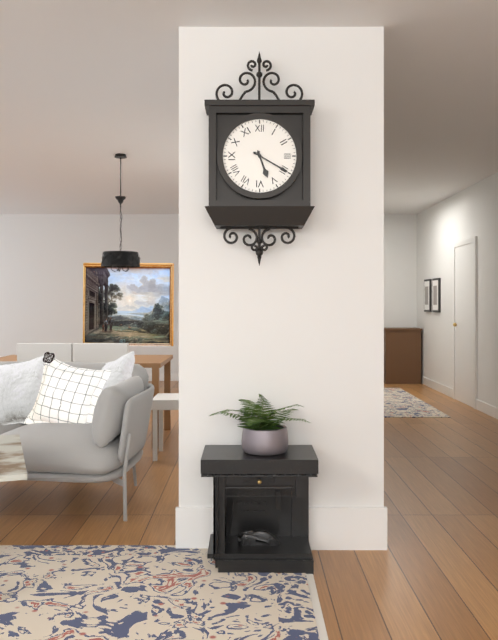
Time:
5:20
